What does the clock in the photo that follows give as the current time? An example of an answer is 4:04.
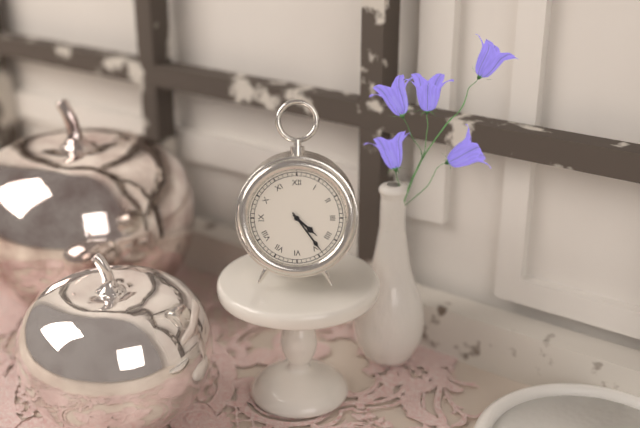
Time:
4:24
